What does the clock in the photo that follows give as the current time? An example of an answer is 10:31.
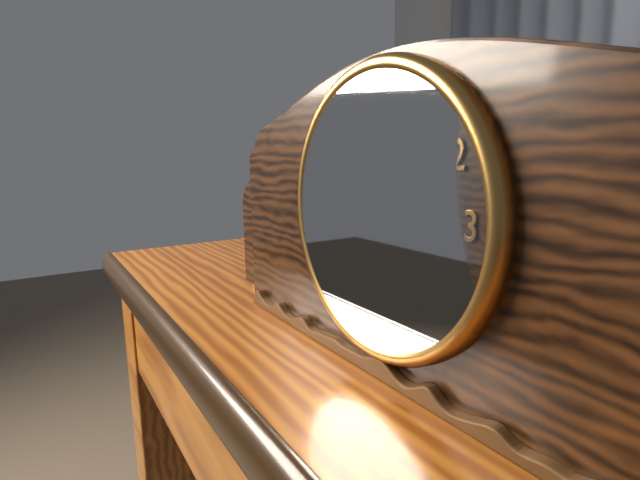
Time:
6:42
